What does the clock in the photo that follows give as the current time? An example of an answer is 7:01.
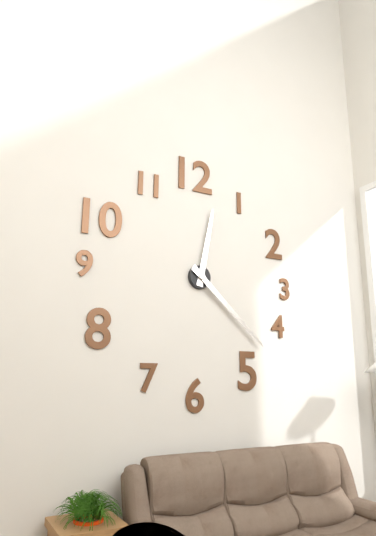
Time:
12:22
